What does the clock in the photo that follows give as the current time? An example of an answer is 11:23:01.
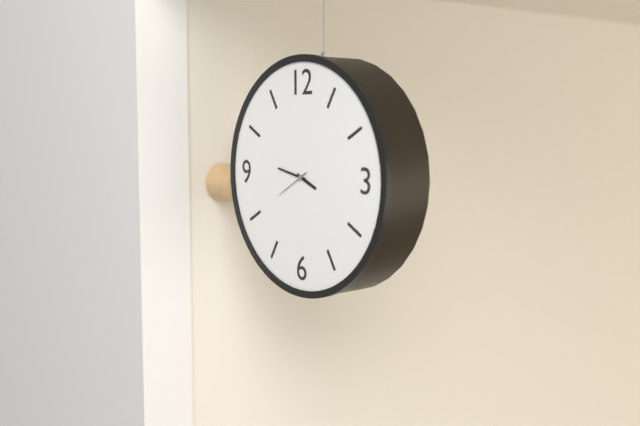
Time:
3:47:40
